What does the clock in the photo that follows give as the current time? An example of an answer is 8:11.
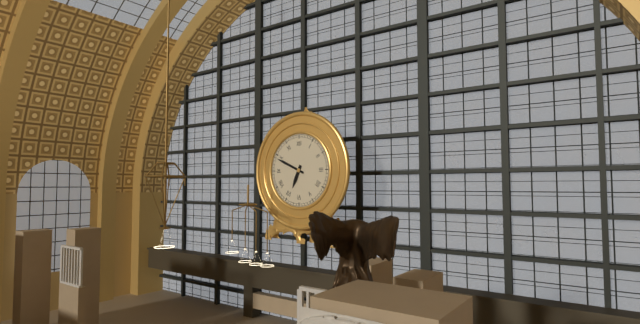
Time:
6:49
